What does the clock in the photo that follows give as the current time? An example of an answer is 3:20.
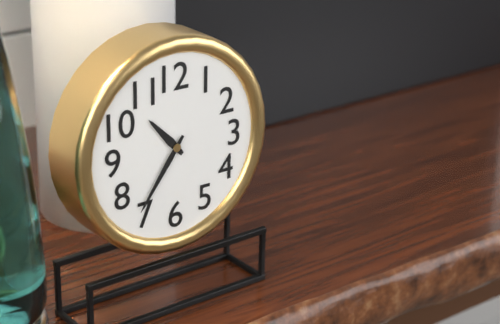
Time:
10:36
